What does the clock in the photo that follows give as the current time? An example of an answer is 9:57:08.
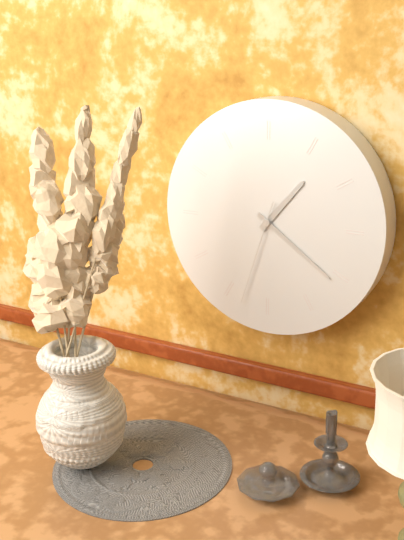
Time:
1:21:33
